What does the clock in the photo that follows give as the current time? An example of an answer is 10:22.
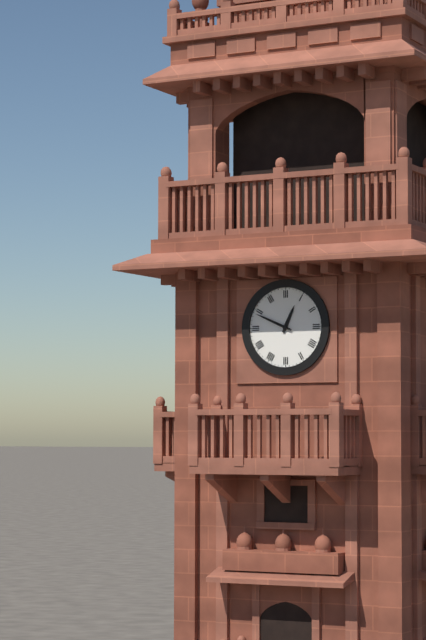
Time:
12:49
